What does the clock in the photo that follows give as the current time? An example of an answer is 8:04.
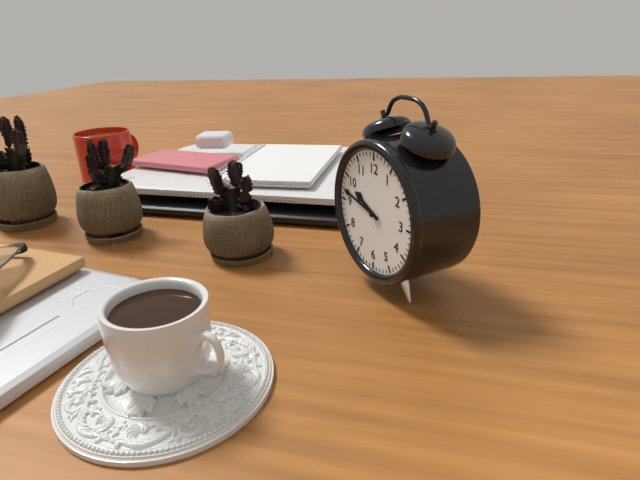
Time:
9:47
